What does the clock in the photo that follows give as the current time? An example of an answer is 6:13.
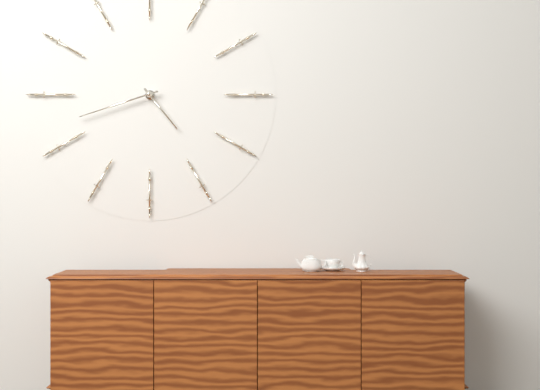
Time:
4:42
